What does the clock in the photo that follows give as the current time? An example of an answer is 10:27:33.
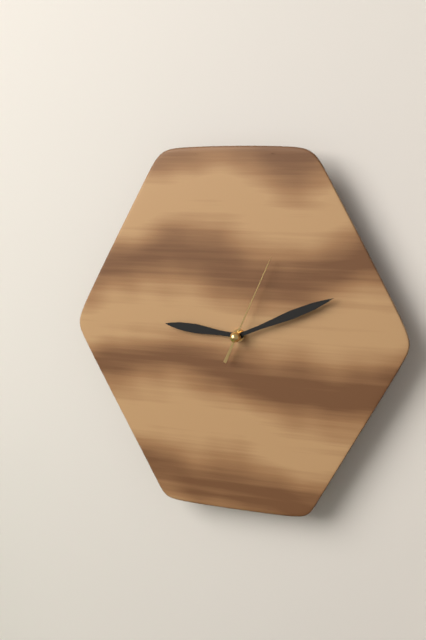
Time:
9:11:04
